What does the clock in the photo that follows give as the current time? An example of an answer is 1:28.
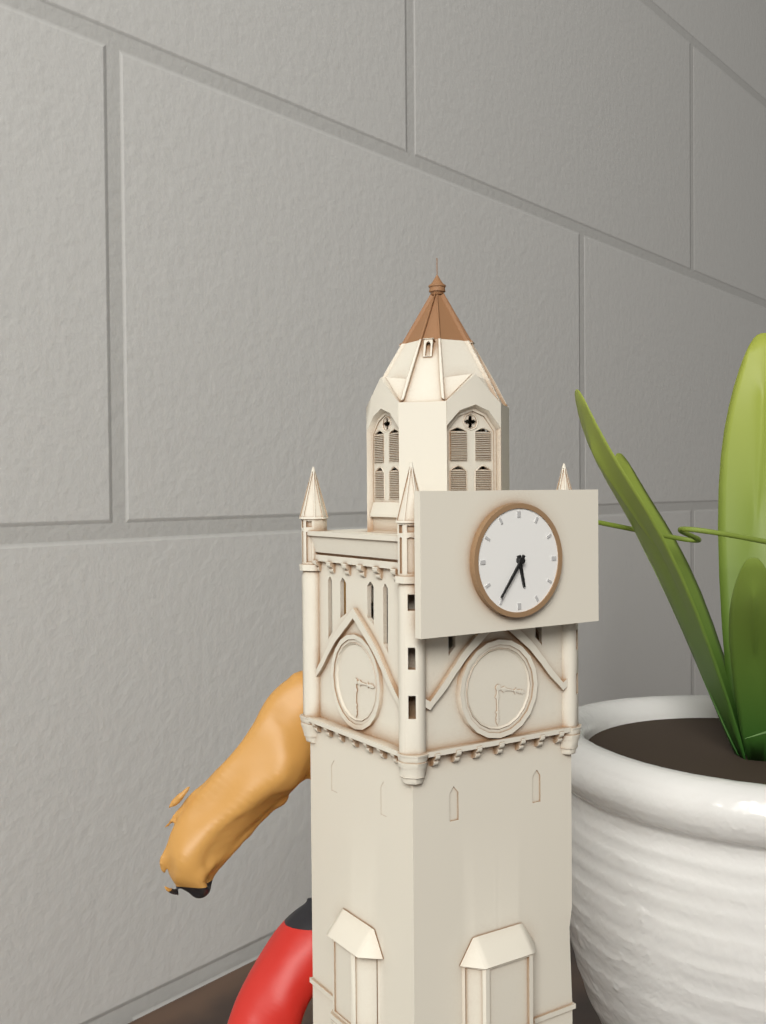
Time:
5:36
